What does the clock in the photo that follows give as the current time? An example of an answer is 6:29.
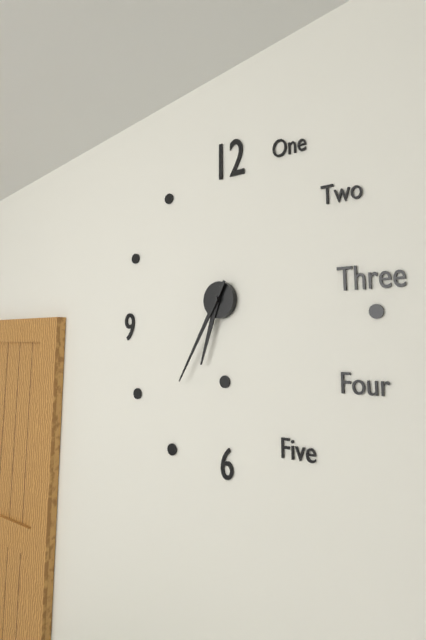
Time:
6:35
